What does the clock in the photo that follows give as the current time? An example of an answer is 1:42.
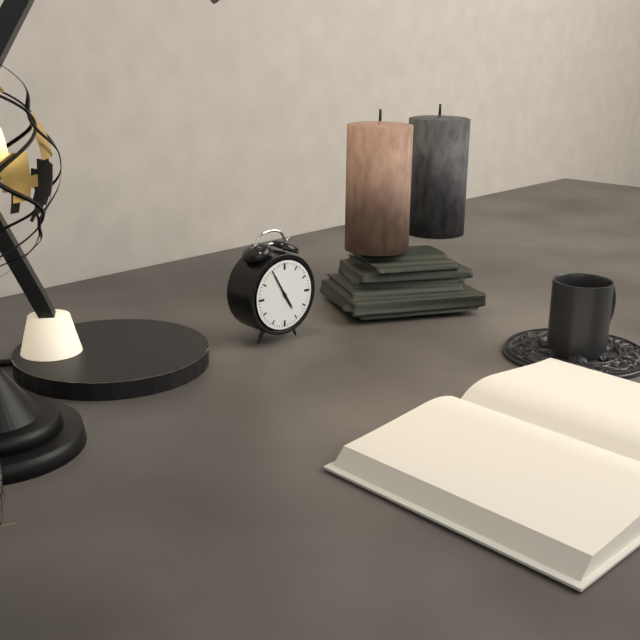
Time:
4:55
